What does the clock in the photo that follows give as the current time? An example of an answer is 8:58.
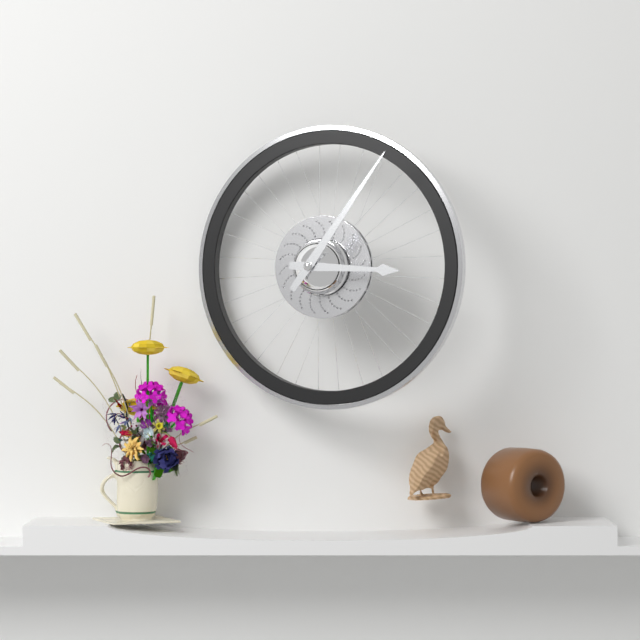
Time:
3:06
